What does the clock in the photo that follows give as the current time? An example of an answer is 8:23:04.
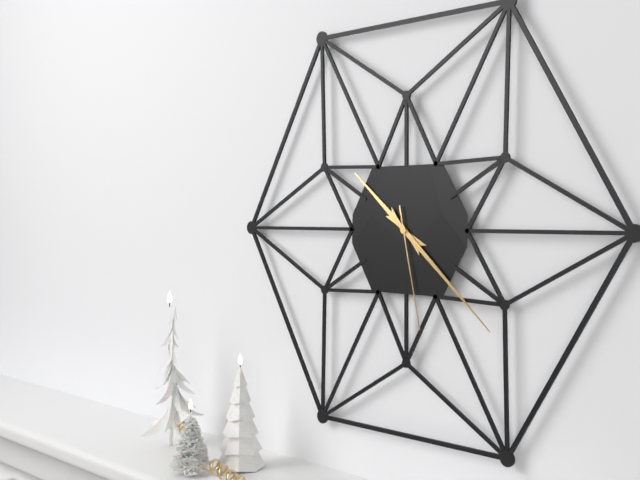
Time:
10:22:28
